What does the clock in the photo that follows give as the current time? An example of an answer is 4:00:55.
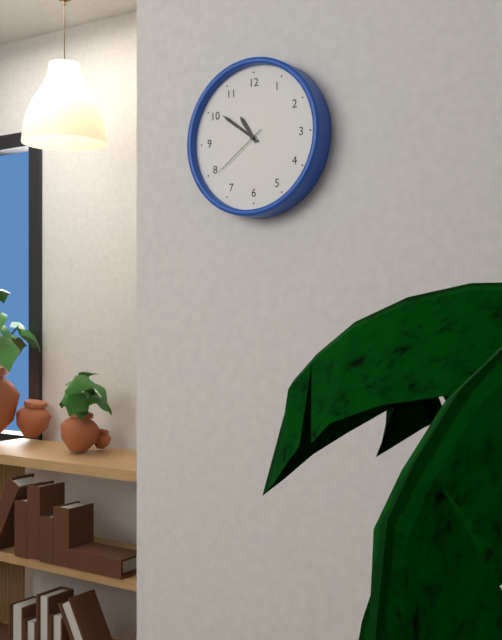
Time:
10:51:39
